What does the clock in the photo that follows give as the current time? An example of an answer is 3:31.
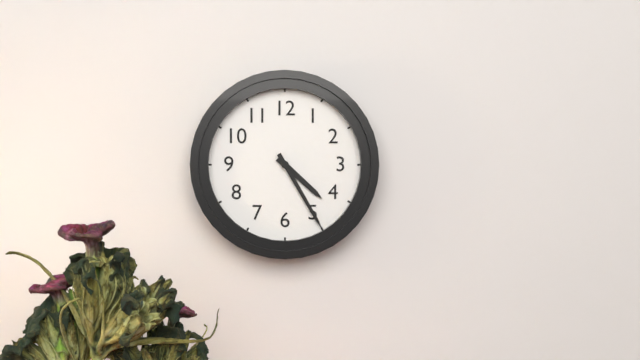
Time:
4:25
